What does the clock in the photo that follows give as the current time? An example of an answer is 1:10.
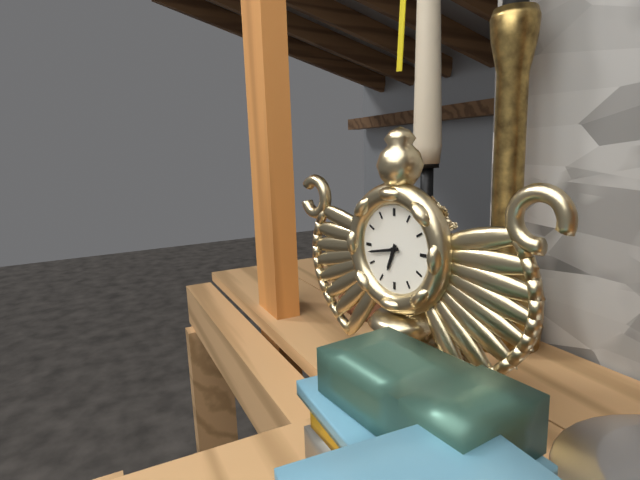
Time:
6:43
